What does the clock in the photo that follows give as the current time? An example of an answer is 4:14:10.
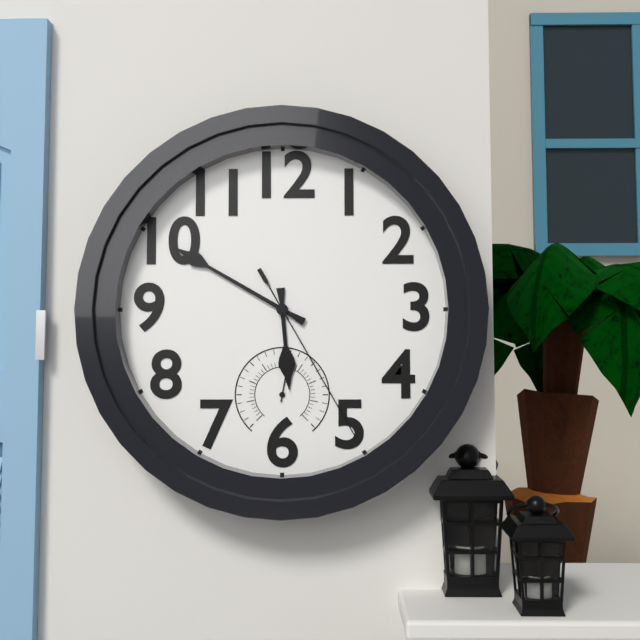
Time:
5:50:25
